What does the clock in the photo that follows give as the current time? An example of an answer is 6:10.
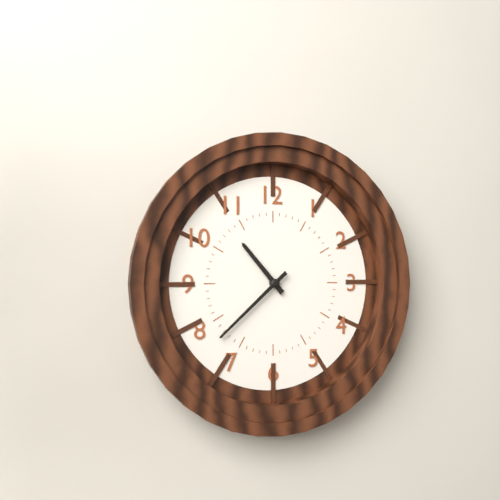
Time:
10:38
